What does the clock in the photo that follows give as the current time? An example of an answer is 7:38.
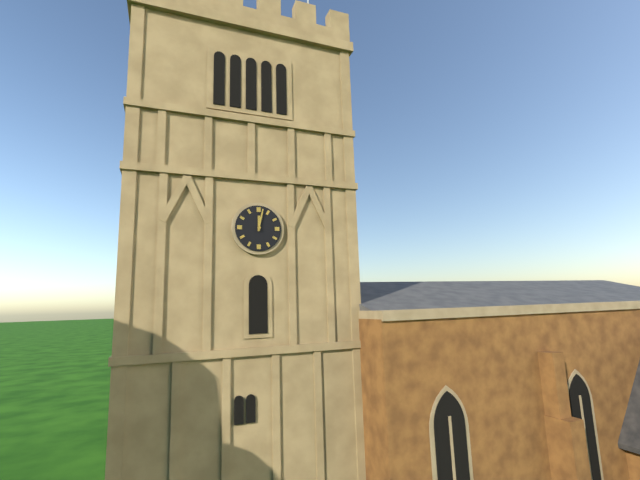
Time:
12:02
